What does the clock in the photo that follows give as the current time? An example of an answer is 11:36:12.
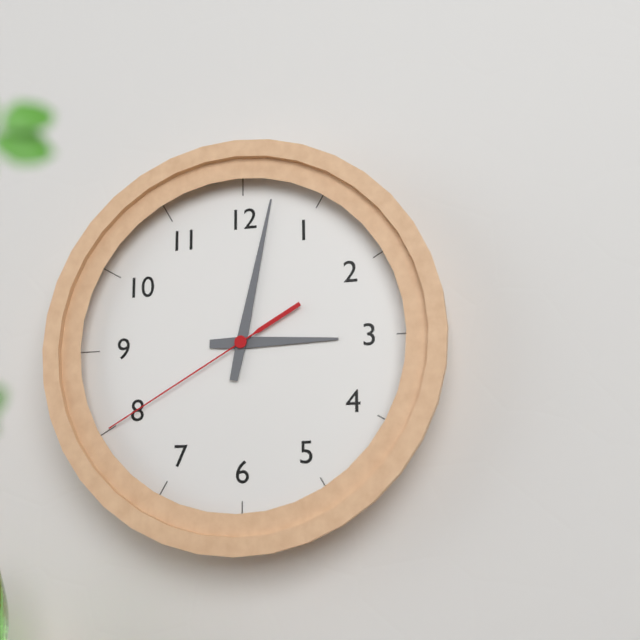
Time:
3:02:40
